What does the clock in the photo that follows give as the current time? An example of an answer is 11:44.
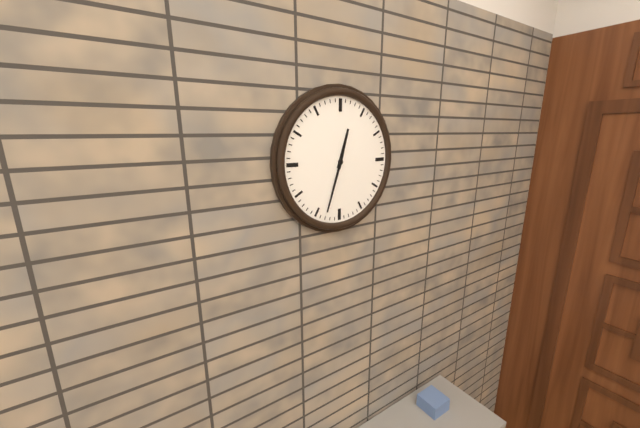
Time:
12:33
